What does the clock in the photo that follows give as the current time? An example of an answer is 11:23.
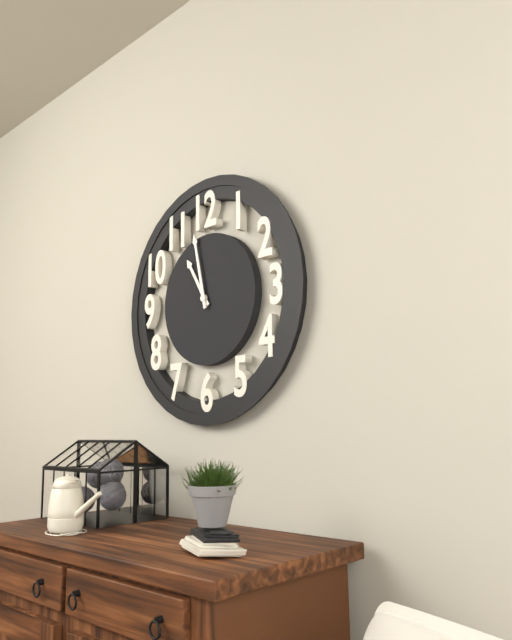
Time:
10:58
